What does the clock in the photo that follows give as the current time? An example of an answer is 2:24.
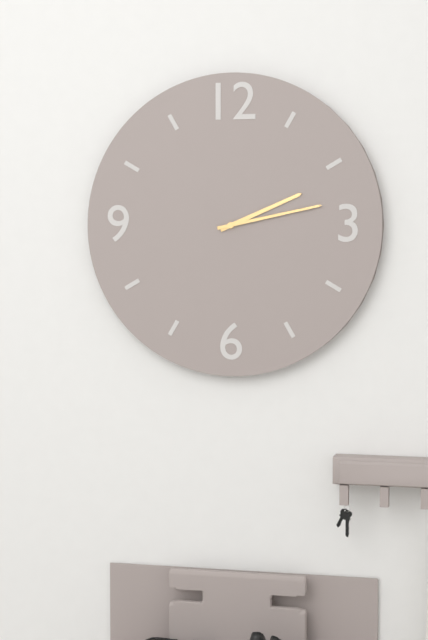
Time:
2:13
